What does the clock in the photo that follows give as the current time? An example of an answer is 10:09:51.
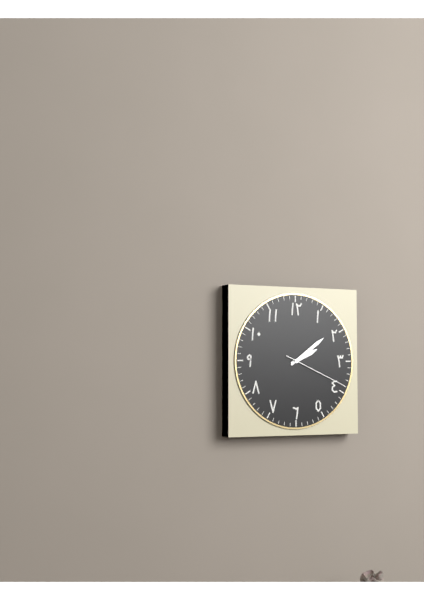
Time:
2:09:19
